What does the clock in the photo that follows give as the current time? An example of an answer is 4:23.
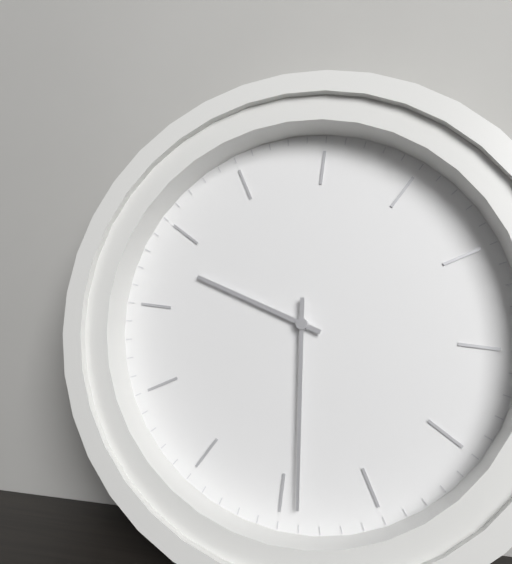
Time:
10:34
